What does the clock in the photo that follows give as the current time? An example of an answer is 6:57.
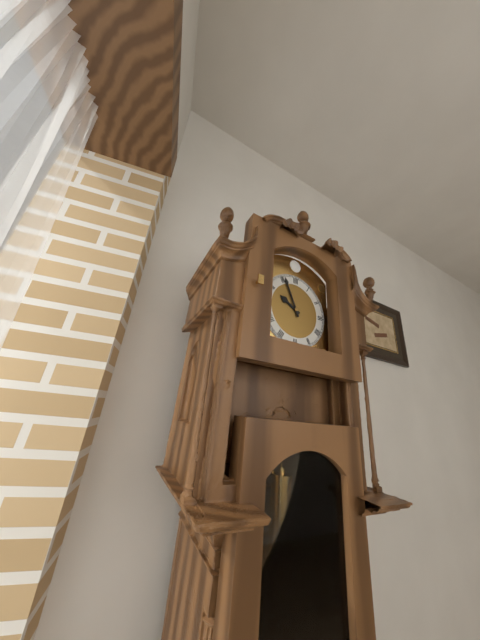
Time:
9:56
